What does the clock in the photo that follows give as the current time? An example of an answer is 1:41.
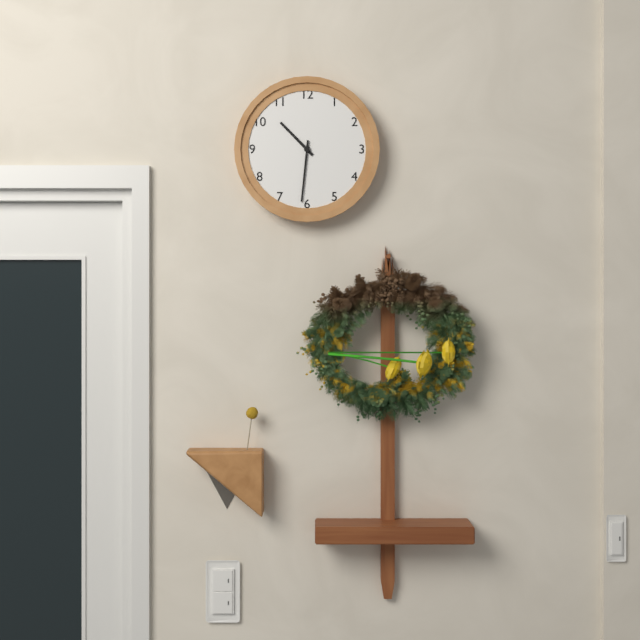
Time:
10:31
